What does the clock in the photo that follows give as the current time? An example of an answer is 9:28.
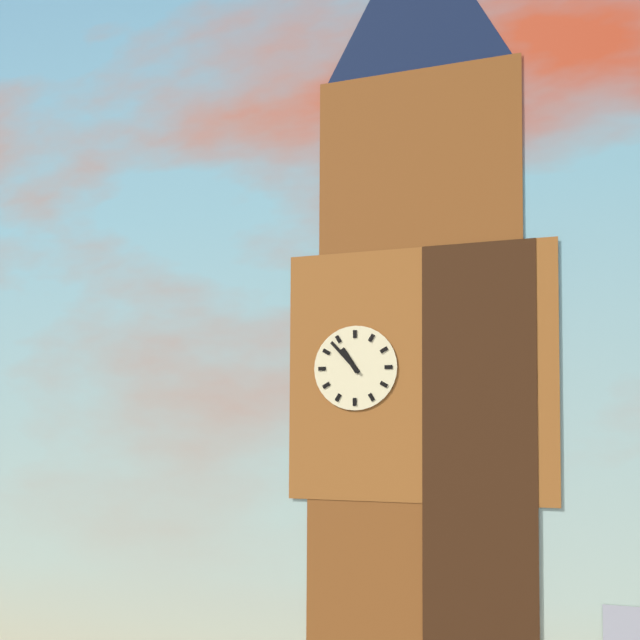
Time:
10:53
